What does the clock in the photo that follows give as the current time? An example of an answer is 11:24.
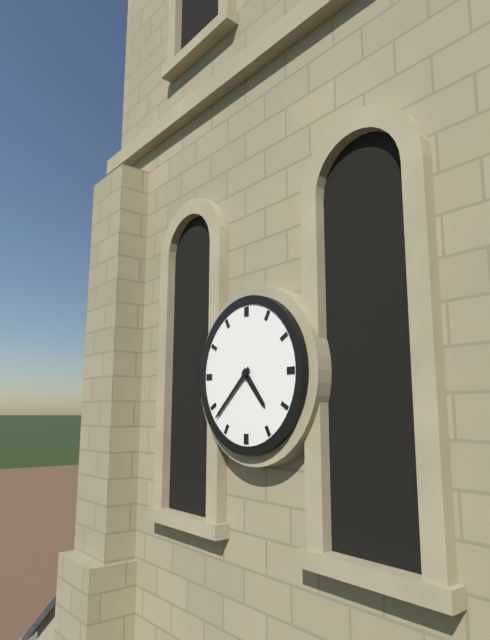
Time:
4:38
